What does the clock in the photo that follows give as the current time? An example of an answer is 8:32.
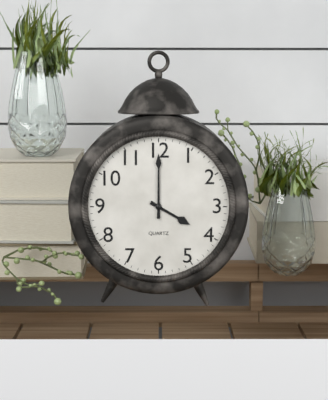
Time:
4:00
